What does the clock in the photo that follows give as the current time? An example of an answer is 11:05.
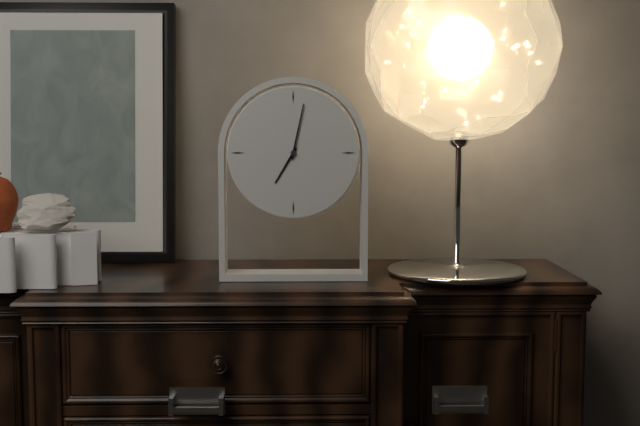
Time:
7:02
